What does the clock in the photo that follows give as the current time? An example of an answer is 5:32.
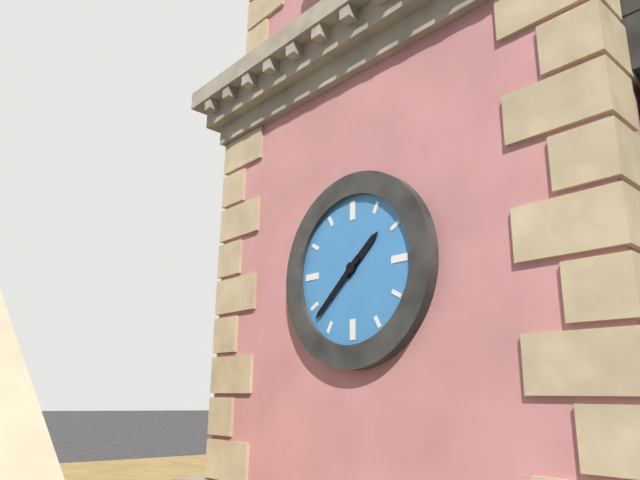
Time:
1:38
